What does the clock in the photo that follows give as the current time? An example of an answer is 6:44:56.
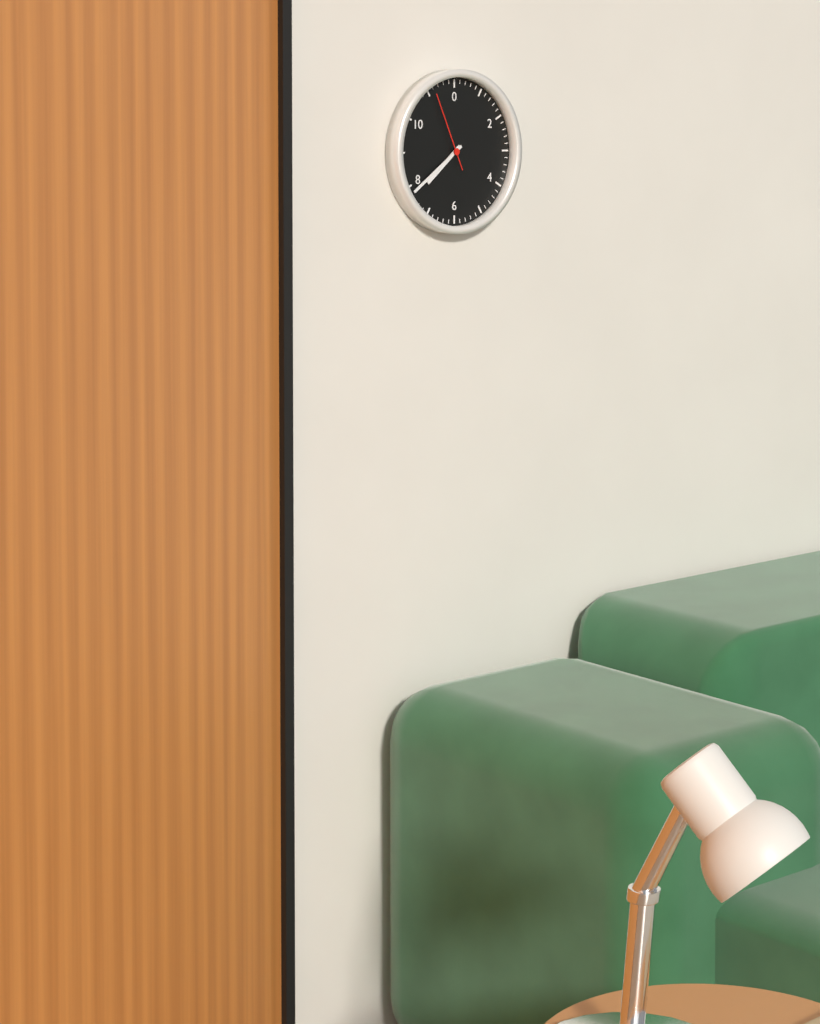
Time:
7:39:56
